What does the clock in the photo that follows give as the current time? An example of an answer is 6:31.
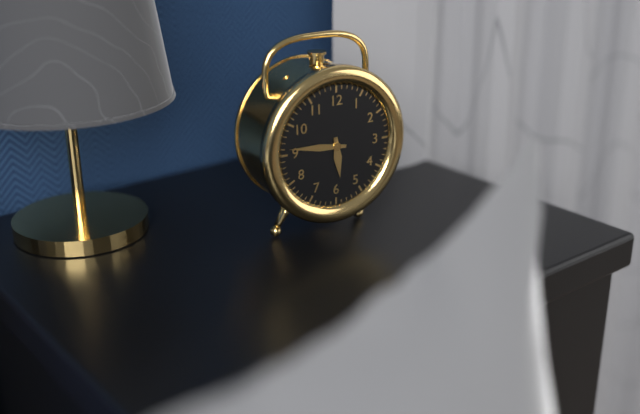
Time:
5:46
